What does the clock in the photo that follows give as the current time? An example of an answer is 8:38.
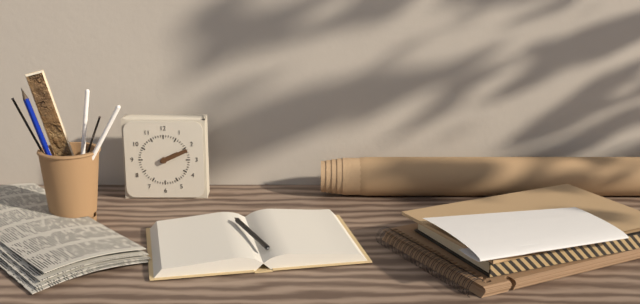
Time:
2:11
